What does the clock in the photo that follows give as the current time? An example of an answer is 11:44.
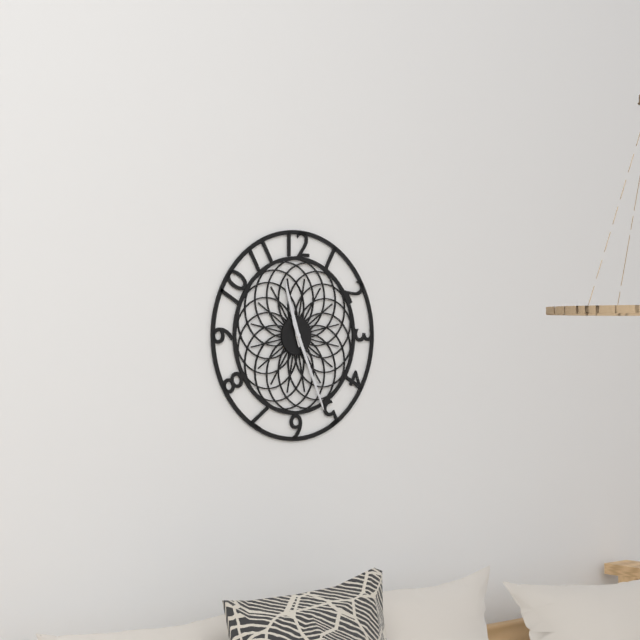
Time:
11:26
